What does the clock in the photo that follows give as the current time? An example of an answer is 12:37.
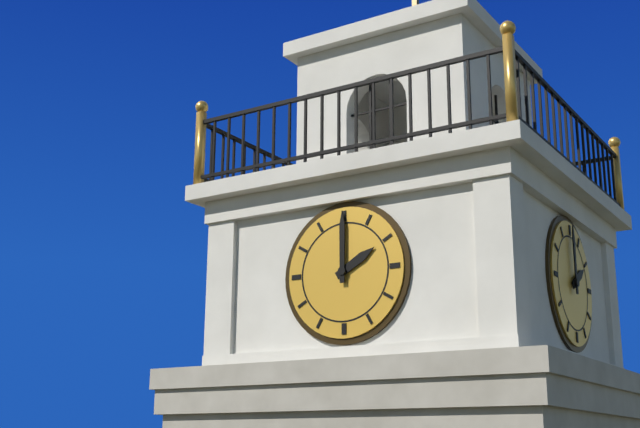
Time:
2:00
